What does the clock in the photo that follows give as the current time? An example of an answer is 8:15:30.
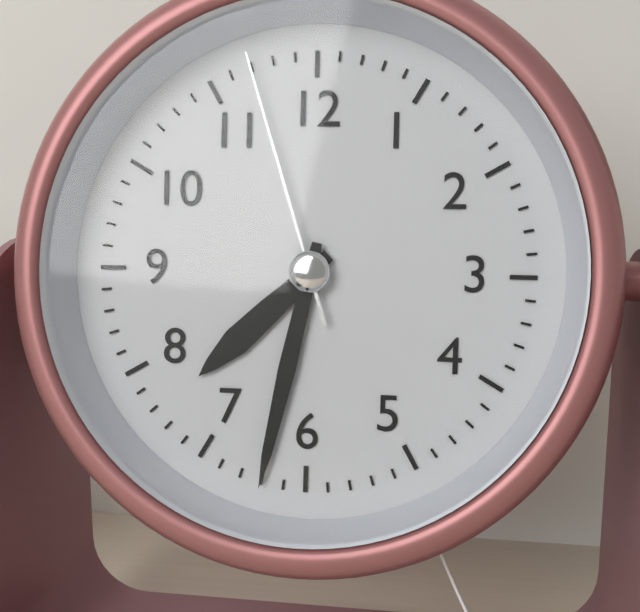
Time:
7:32:57
